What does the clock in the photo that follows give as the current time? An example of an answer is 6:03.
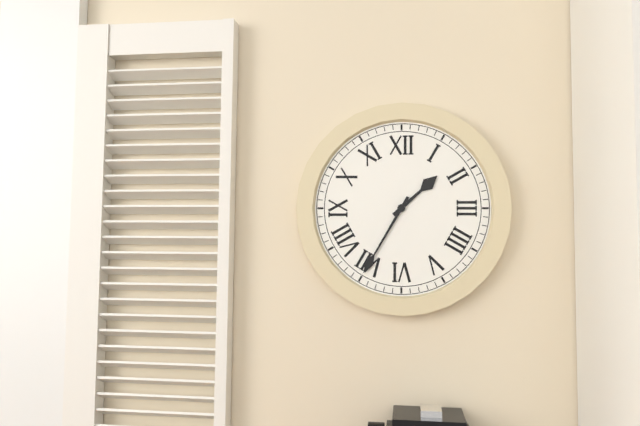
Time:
1:35
